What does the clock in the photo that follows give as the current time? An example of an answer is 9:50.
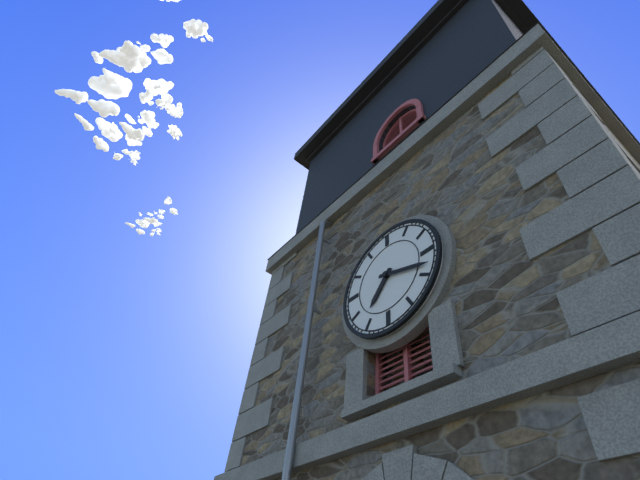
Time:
7:18
